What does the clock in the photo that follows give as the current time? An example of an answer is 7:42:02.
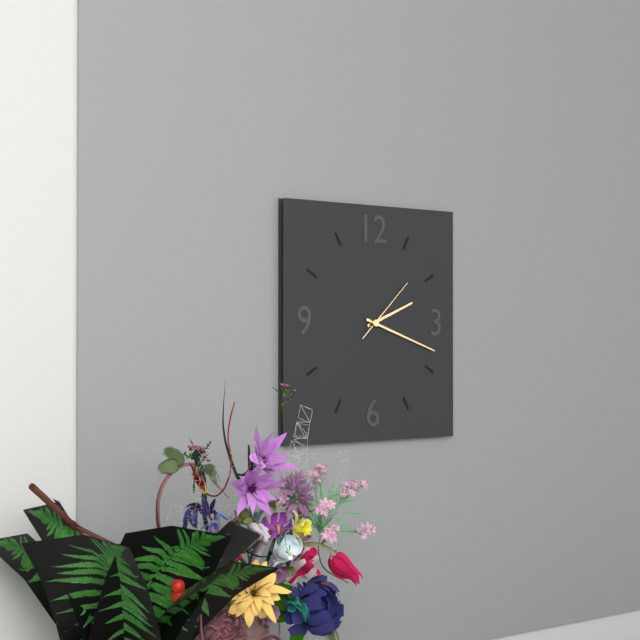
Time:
2:18:08
